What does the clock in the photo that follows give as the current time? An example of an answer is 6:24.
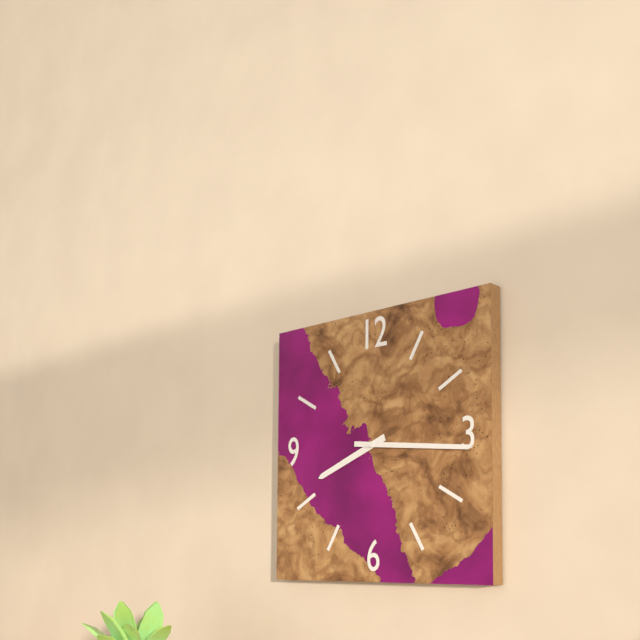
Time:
8:16
